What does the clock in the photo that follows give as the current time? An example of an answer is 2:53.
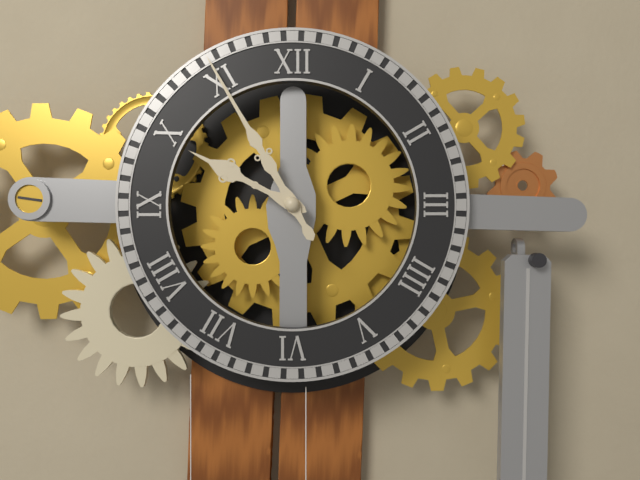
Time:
9:55
